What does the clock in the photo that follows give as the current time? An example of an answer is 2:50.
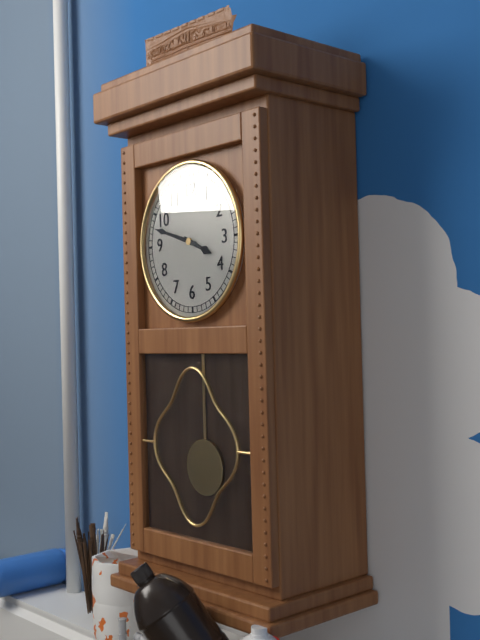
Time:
3:48
